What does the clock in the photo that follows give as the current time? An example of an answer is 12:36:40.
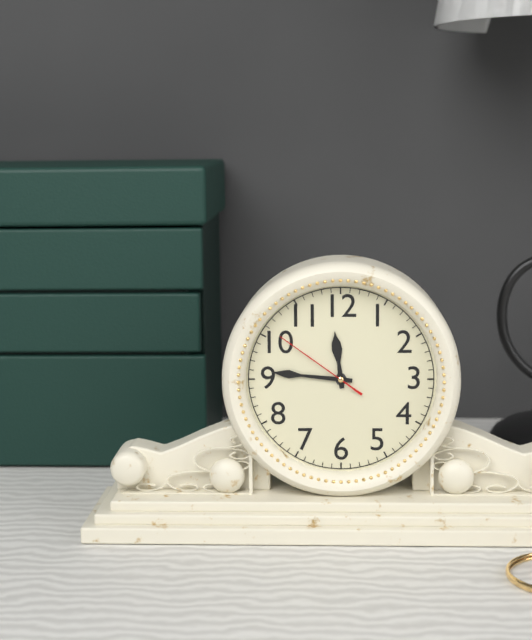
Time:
11:46:51
